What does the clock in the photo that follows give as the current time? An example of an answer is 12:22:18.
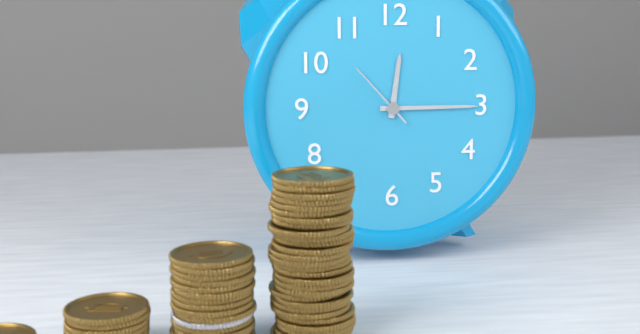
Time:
12:15:53
